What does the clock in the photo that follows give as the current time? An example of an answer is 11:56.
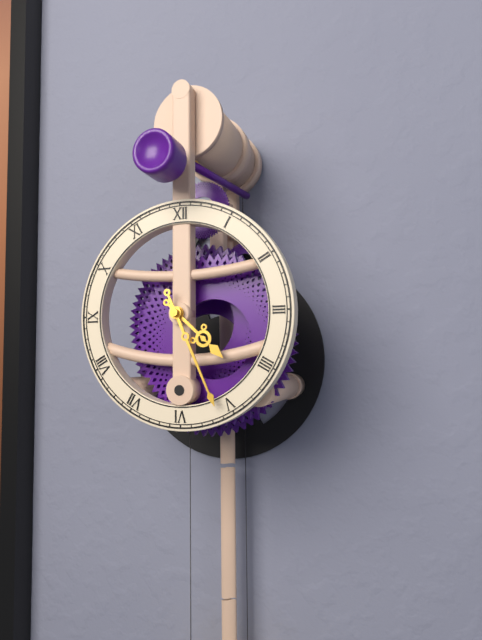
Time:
4:26
